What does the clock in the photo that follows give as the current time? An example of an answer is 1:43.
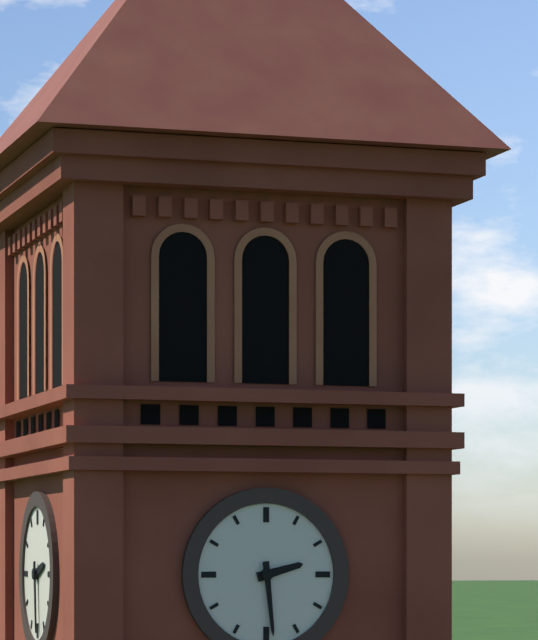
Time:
2:29
